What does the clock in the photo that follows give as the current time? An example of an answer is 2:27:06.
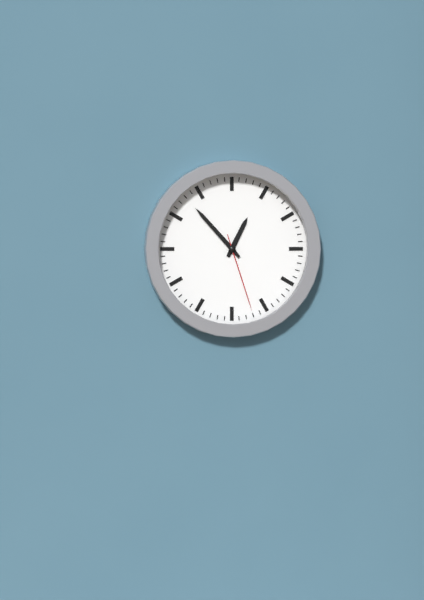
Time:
12:53:27
